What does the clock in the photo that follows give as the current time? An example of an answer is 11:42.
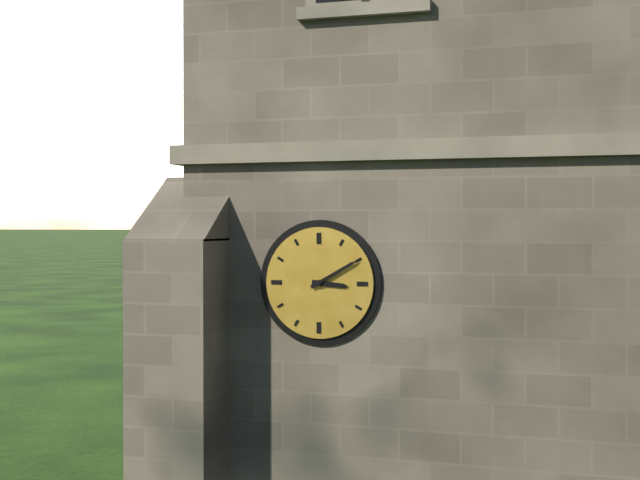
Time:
3:10
